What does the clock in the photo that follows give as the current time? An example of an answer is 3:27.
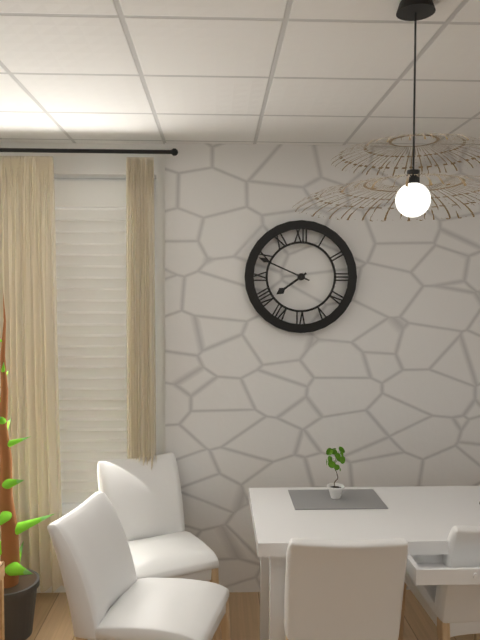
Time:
7:49
